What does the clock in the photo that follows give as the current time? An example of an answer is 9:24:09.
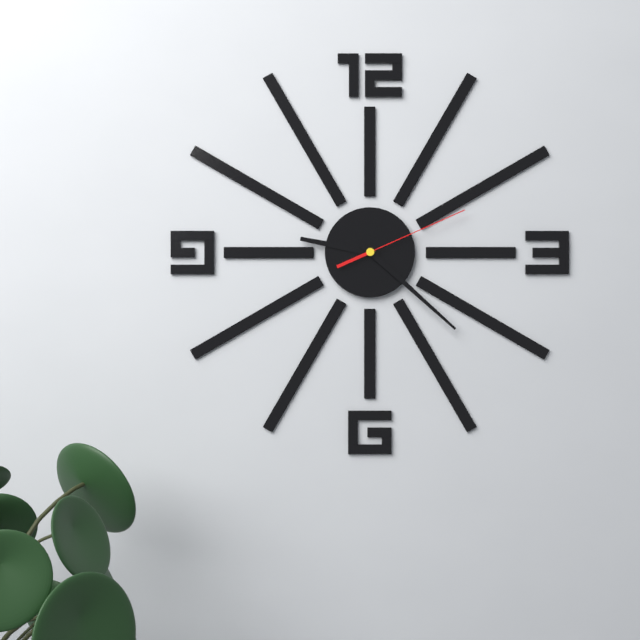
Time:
9:22:11
